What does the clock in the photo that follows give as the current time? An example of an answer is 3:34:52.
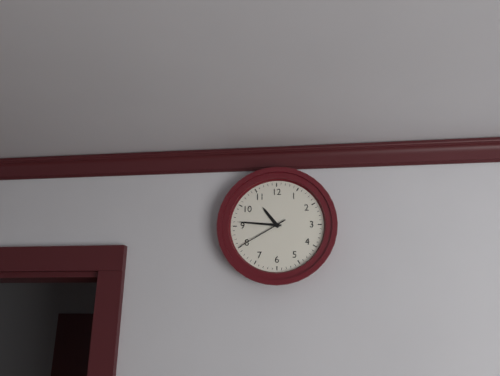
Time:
10:46:40
